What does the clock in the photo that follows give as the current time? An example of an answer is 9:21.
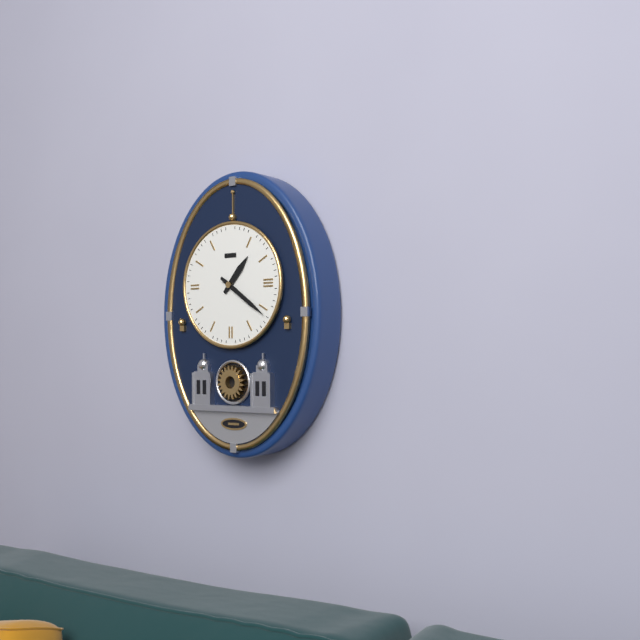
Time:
1:21
